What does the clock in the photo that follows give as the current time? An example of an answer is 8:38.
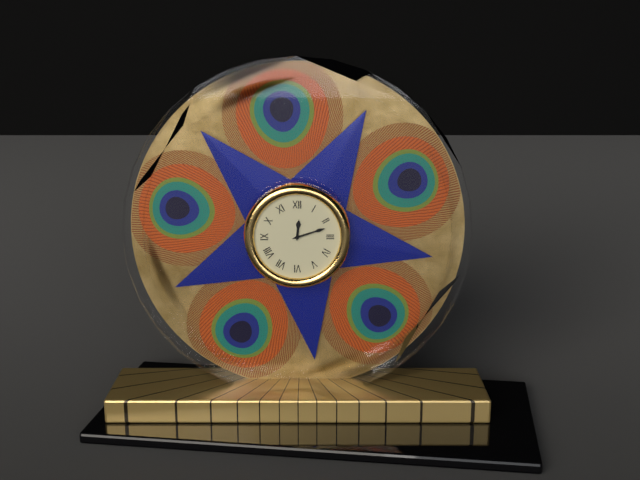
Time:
12:12
